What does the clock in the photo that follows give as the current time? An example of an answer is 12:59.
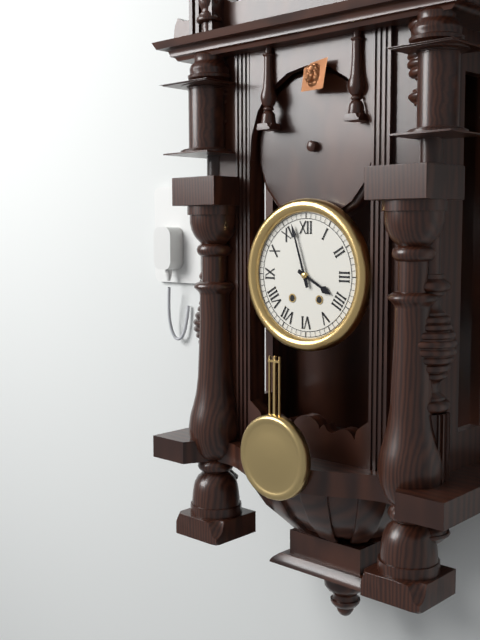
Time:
3:57
